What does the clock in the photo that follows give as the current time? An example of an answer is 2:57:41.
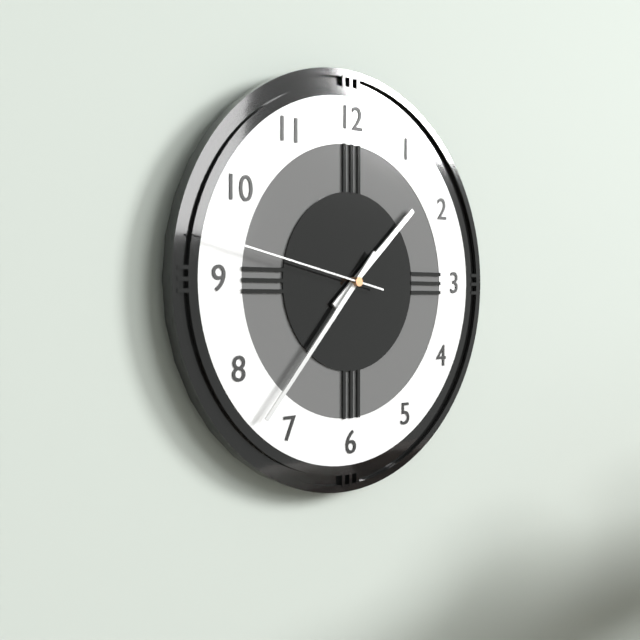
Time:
1:37:47
